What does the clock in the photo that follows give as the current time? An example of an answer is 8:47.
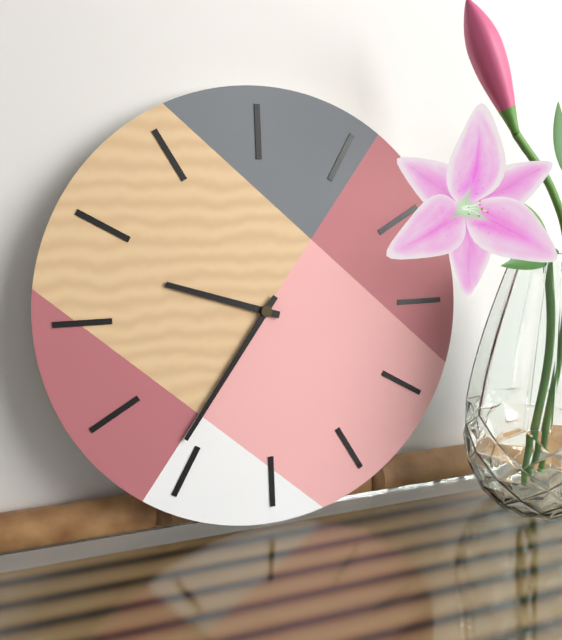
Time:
9:36
